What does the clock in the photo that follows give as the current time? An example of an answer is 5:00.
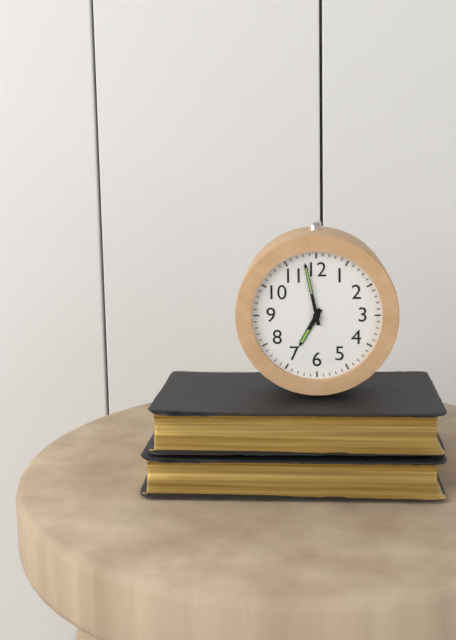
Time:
6:58
